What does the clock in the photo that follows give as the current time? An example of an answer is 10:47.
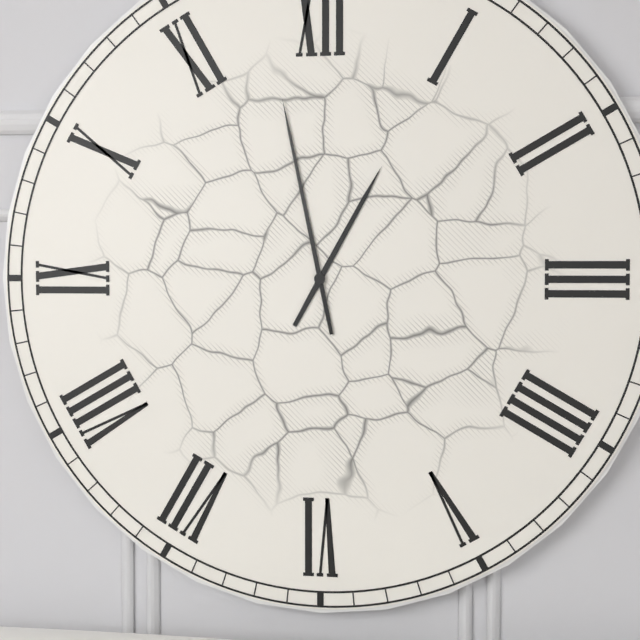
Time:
12:58
